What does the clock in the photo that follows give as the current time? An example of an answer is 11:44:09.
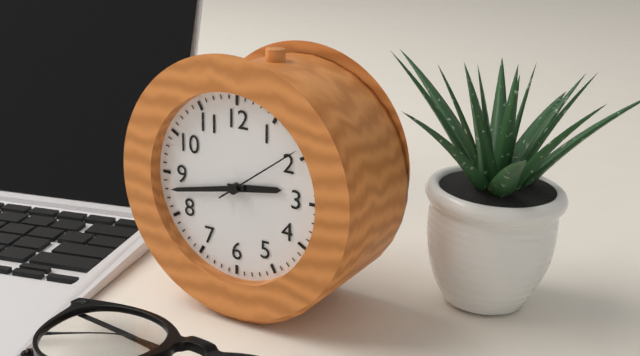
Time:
2:43:09
